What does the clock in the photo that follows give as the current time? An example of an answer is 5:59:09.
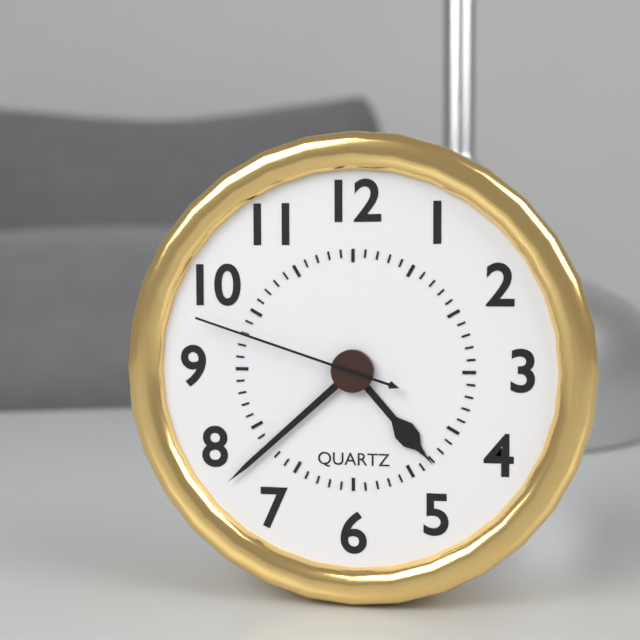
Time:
4:38:48
